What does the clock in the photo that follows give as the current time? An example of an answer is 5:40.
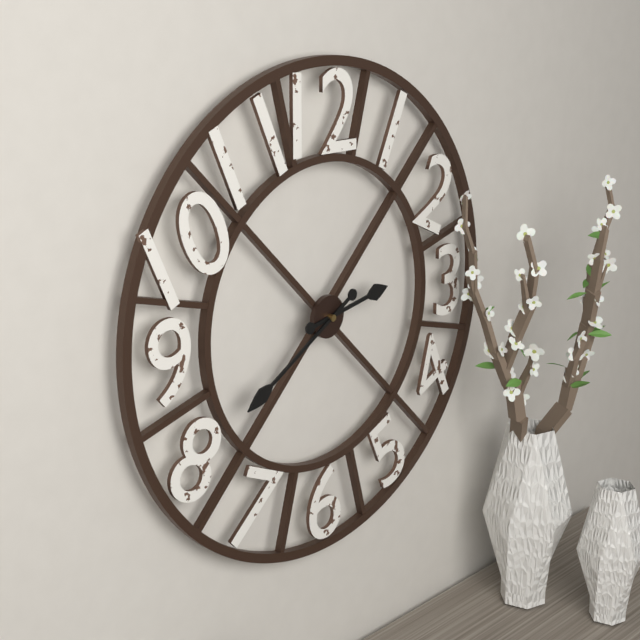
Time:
2:40
